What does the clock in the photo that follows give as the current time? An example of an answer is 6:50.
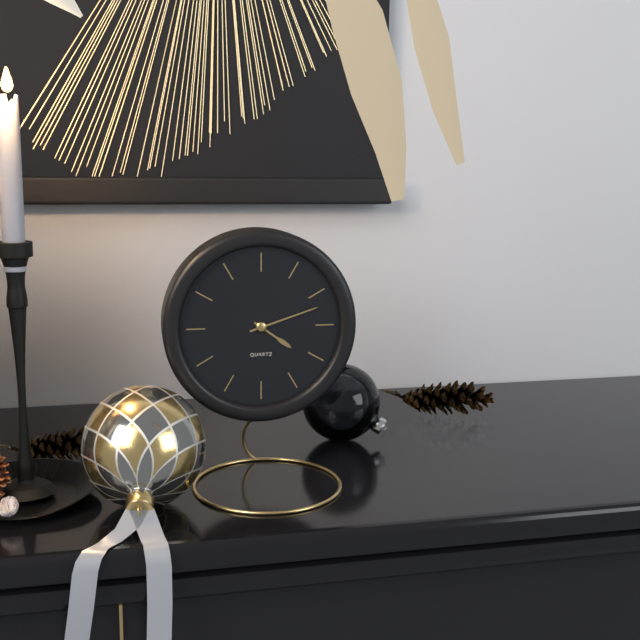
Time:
4:12
